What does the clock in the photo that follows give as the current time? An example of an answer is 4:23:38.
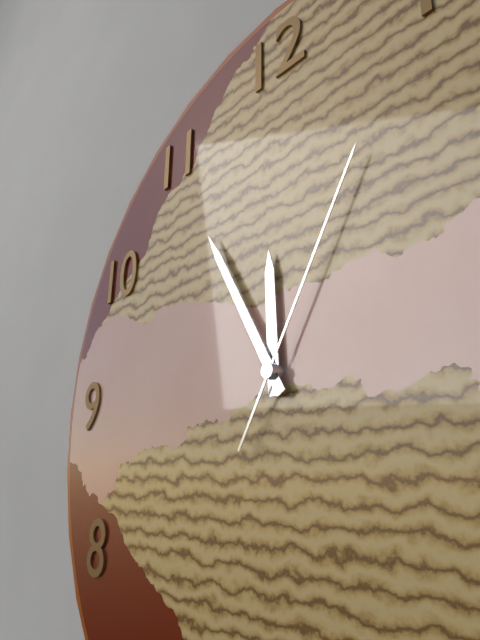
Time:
11:55:05
